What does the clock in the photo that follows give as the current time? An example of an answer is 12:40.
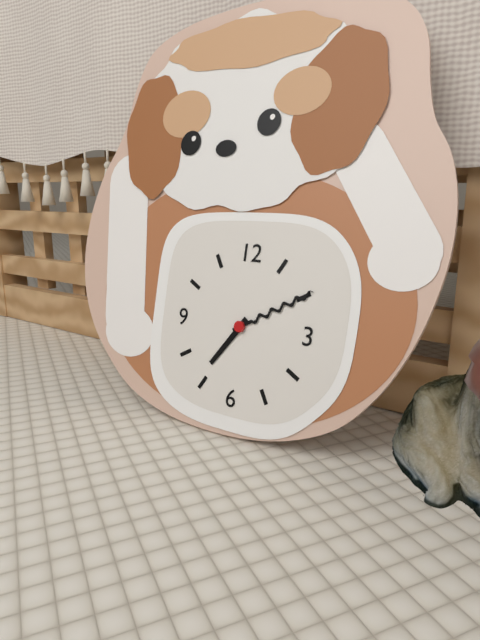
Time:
7:10
